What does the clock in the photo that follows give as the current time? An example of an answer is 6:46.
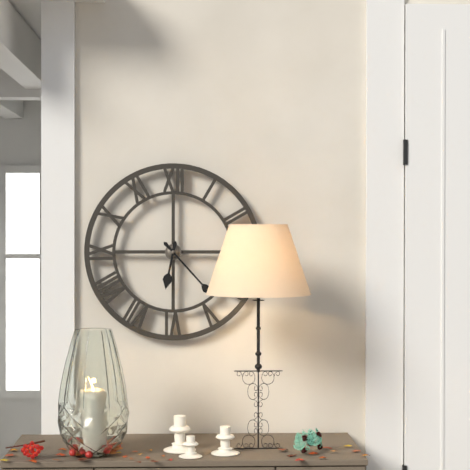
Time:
6:23
